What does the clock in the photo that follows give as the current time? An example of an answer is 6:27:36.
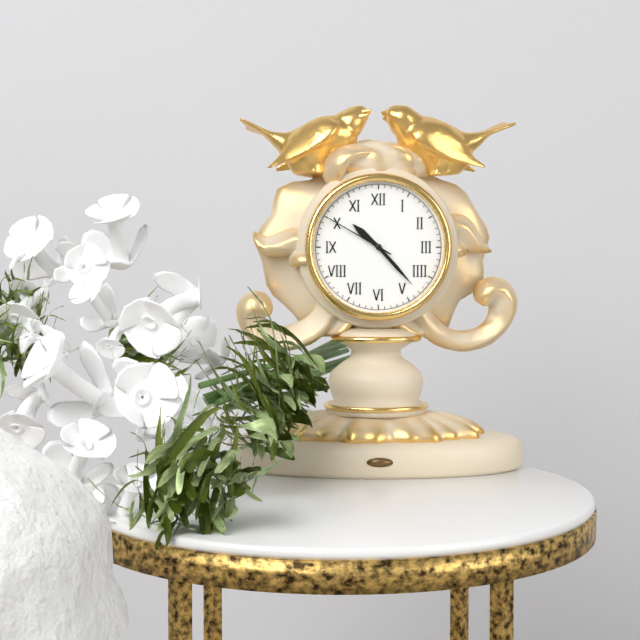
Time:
10:23:50
